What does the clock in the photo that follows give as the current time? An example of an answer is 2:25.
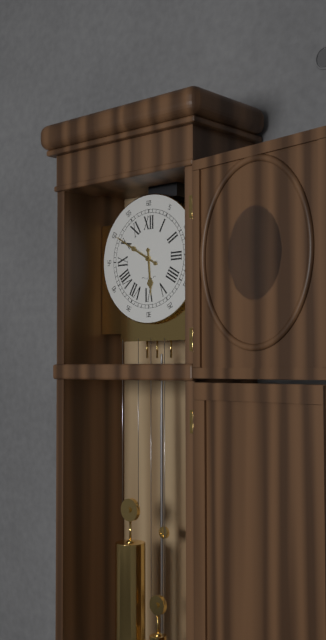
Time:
5:50
